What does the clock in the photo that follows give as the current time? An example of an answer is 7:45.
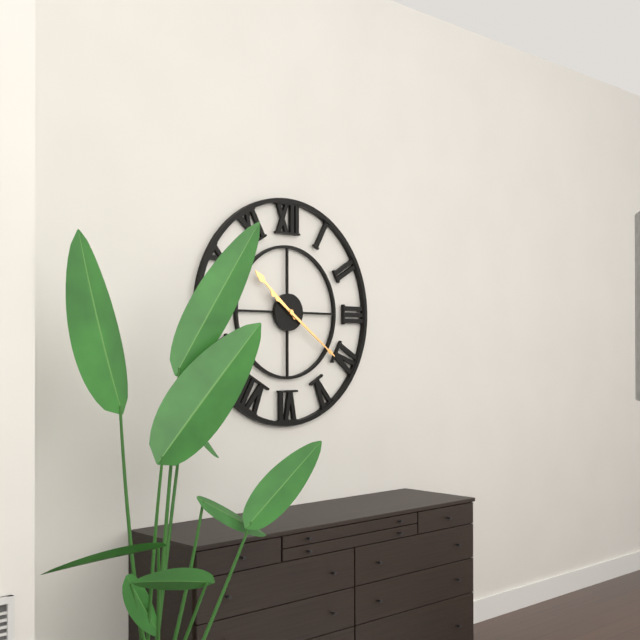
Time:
10:21
